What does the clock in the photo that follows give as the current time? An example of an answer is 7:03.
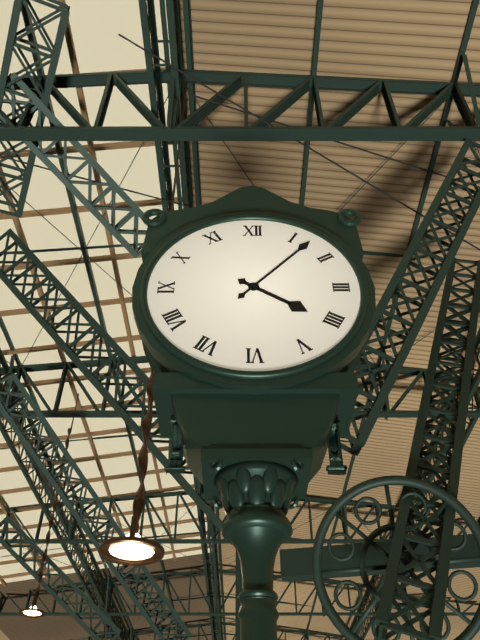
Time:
4:07
